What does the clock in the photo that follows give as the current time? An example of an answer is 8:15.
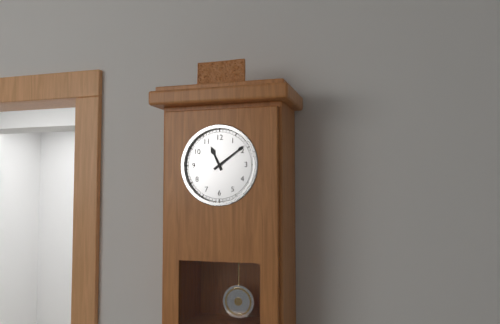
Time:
11:09
